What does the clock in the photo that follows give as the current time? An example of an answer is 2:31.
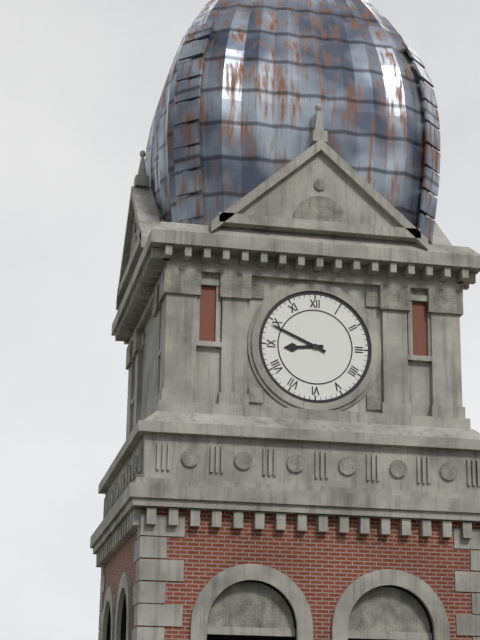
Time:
8:49
